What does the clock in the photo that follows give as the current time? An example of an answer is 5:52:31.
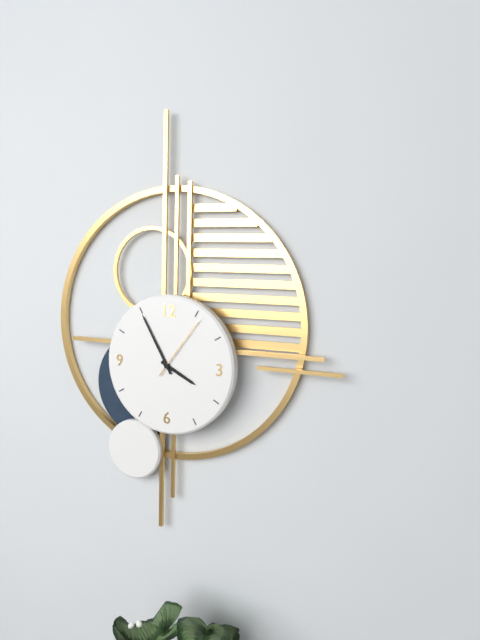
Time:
3:55:06
